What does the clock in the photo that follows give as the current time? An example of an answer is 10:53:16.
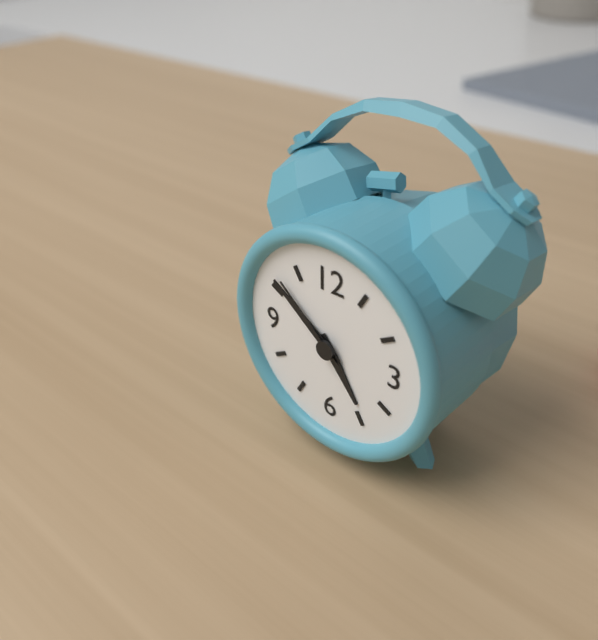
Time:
4:51:52
